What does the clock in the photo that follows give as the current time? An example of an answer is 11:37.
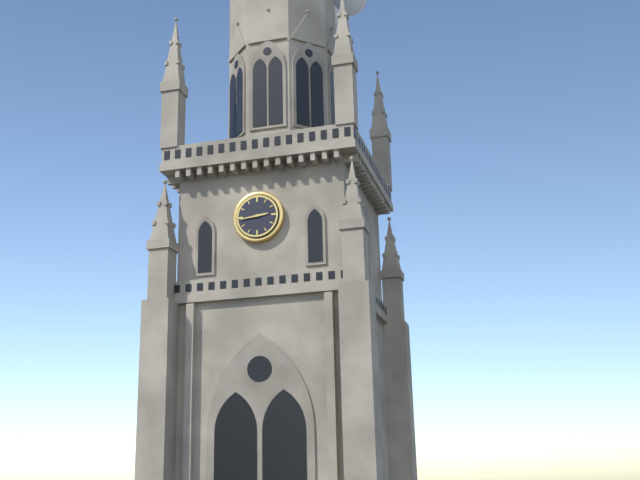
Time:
2:44
